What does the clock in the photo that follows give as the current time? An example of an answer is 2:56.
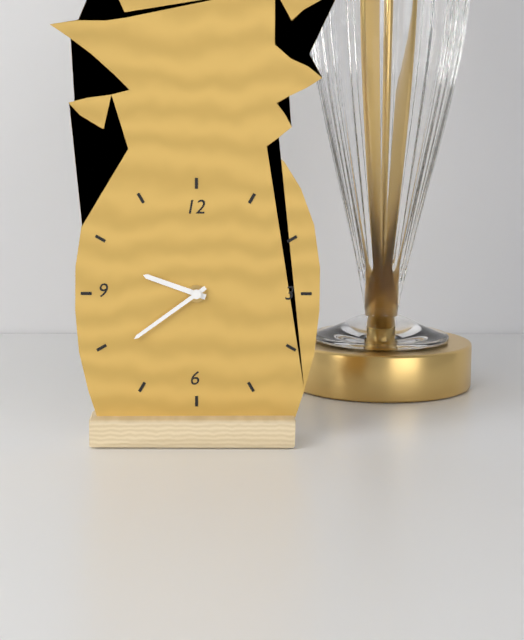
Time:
9:39
